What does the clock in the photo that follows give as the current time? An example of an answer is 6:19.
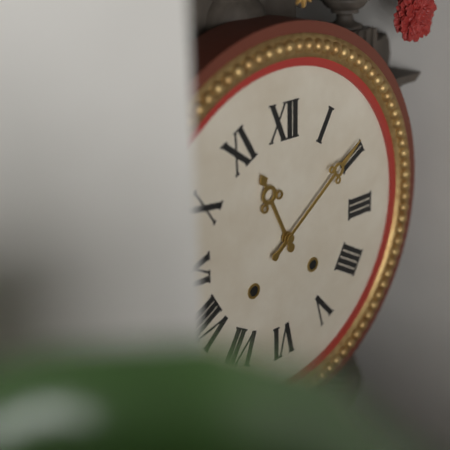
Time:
11:09
